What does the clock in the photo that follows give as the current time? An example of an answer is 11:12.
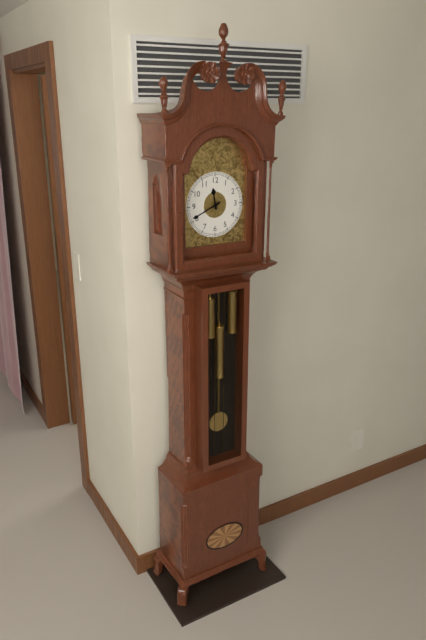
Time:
11:41
